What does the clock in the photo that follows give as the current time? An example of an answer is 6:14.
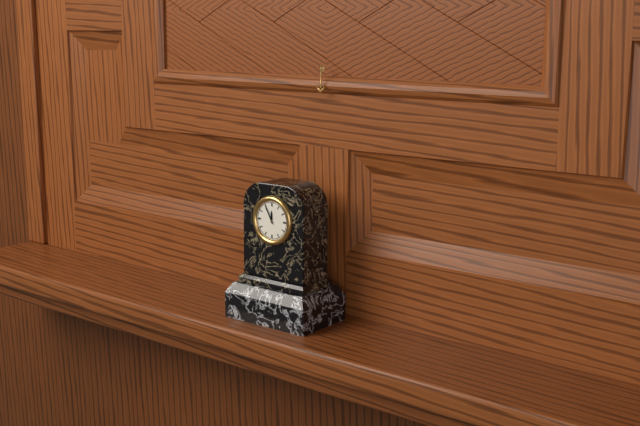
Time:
11:55
